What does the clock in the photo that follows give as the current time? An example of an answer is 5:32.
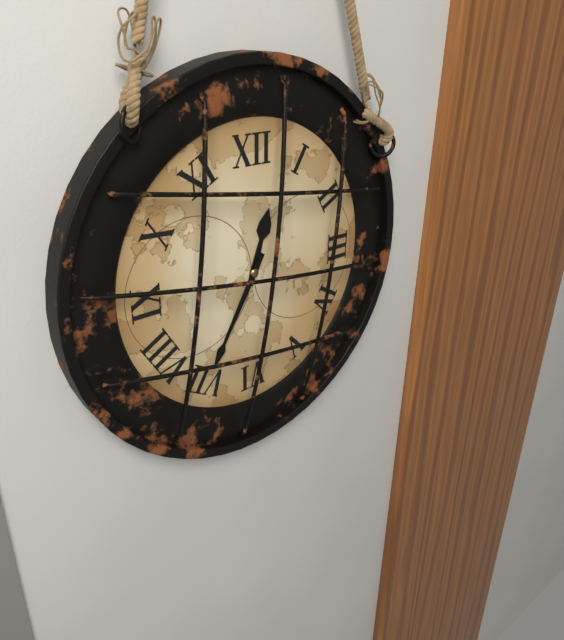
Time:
12:35
